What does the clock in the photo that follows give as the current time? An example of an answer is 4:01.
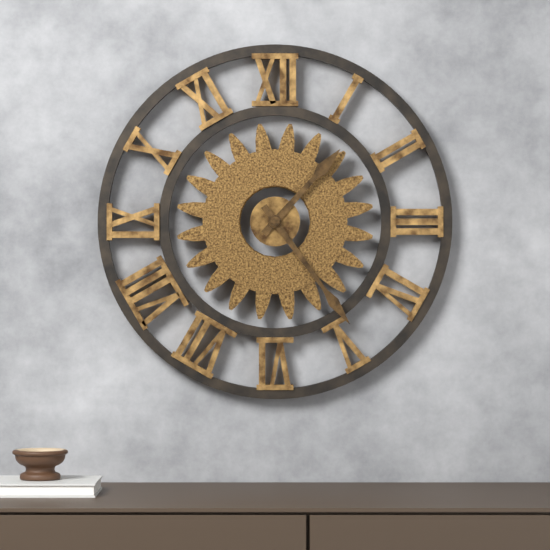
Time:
1:24
